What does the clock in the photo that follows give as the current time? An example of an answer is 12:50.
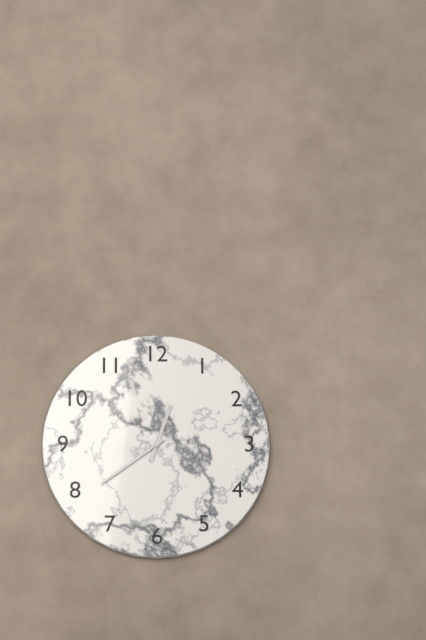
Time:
12:39
